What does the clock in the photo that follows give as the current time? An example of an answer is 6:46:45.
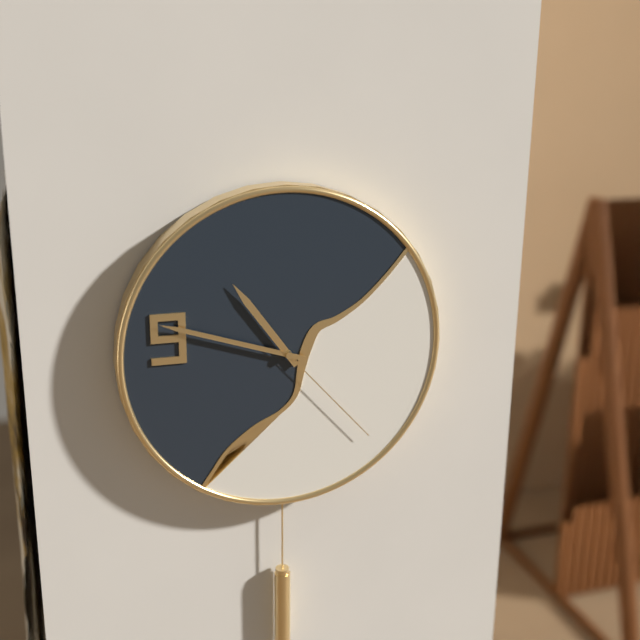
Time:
10:48:23
